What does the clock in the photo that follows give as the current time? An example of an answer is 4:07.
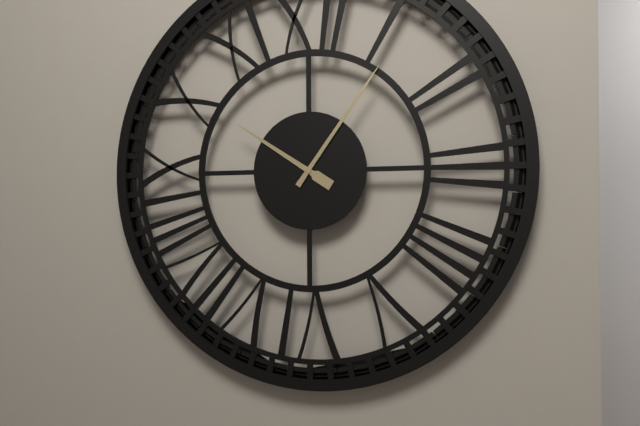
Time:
10:06
